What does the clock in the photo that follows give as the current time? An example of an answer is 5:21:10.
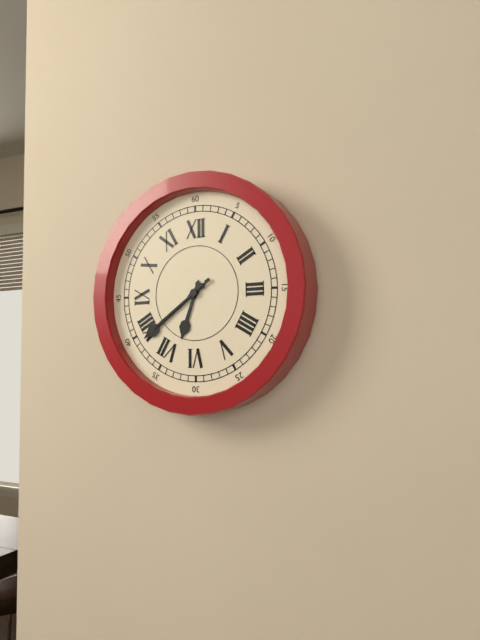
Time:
6:39:39
